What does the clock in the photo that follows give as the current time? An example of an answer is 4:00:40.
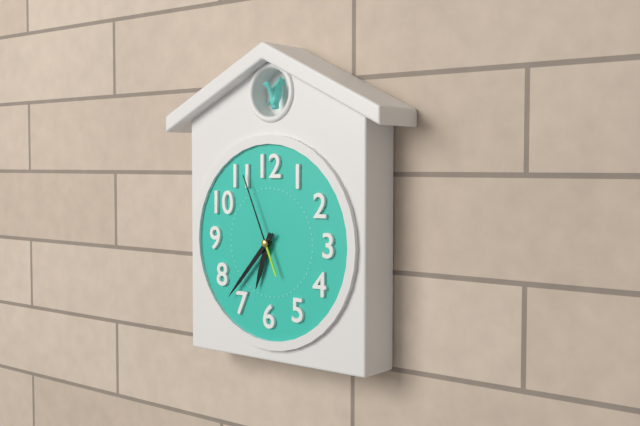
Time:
6:37:56
